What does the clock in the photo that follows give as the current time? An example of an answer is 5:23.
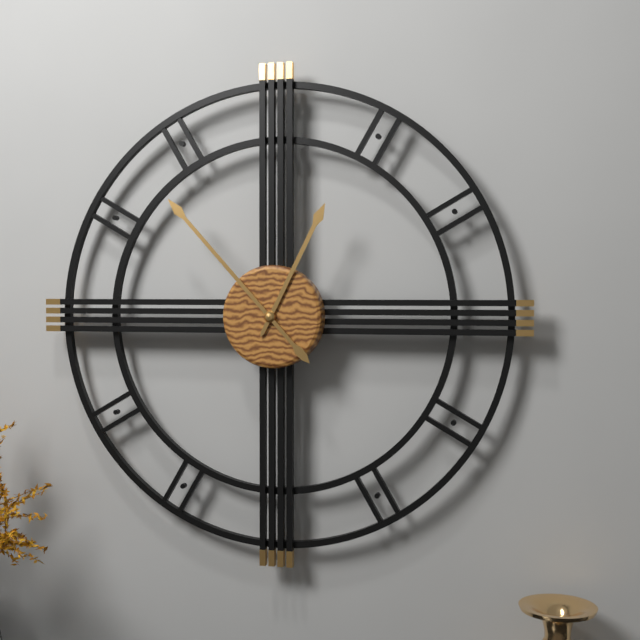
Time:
12:53
